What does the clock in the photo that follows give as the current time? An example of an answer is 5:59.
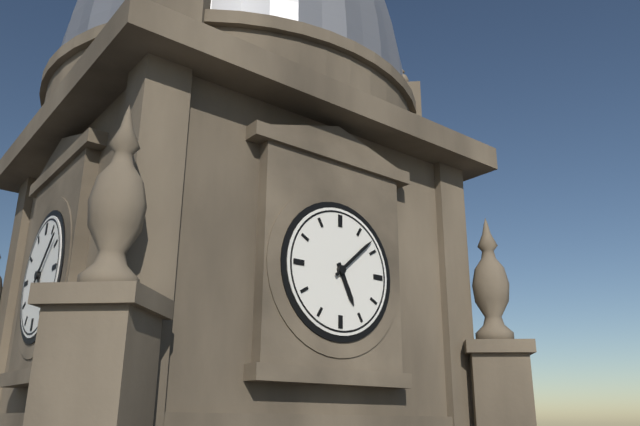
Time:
5:08
